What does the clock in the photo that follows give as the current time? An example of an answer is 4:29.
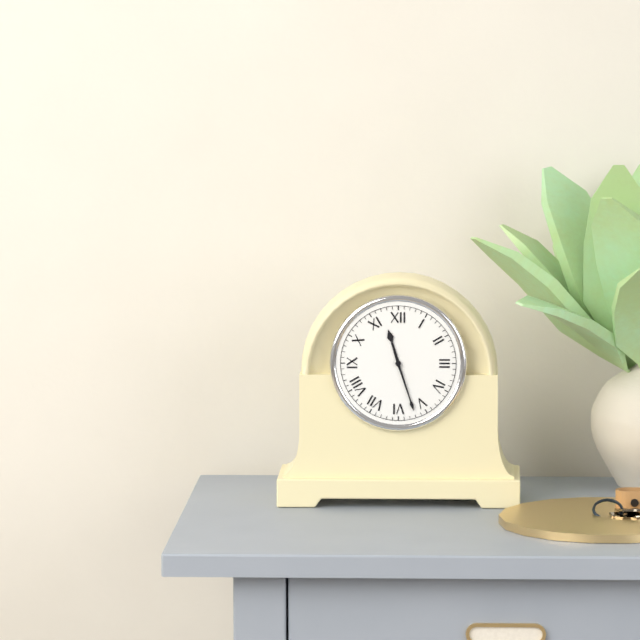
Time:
11:27
